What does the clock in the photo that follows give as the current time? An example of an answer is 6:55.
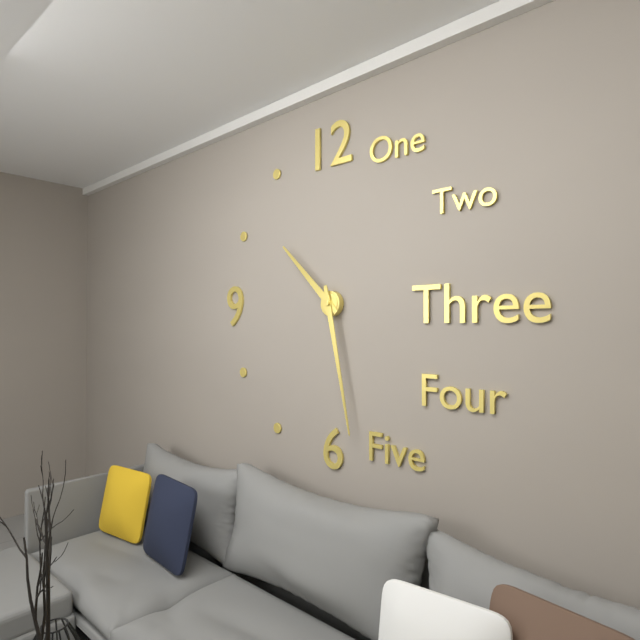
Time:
10:28
